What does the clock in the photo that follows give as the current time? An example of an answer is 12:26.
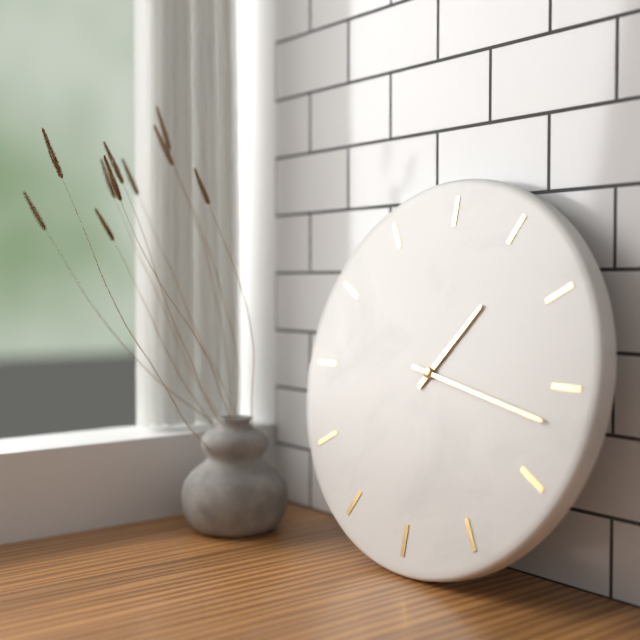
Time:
1:17
